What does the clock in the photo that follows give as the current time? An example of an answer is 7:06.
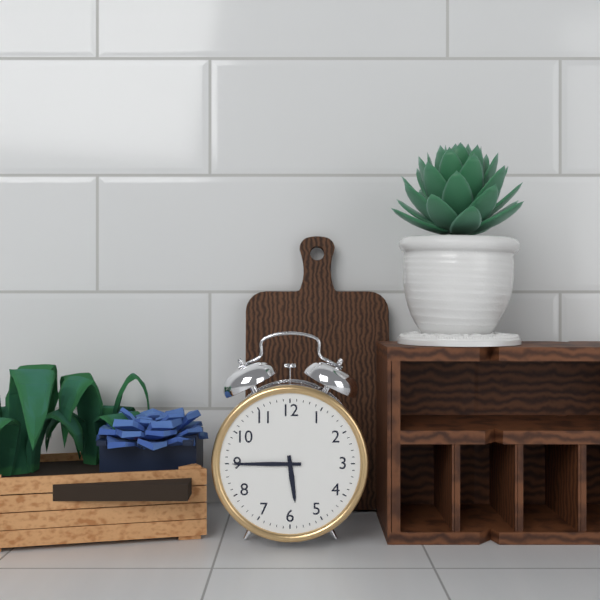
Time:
5:45
